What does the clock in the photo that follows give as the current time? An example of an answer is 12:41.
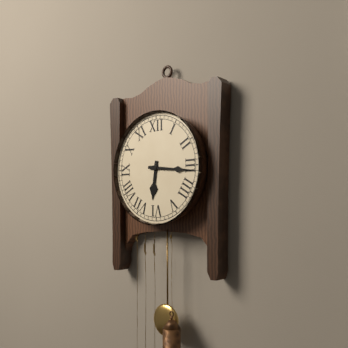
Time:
6:16
